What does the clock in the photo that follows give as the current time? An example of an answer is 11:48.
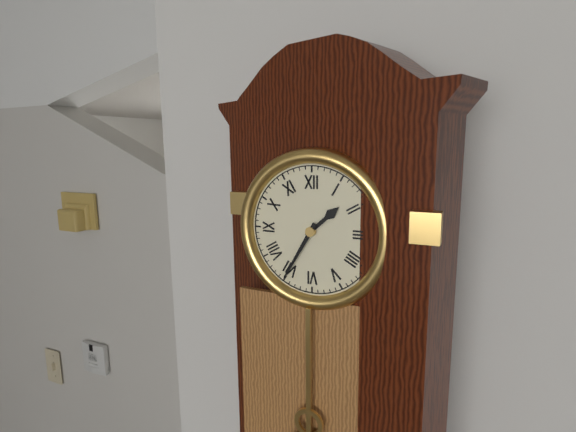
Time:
1:35
